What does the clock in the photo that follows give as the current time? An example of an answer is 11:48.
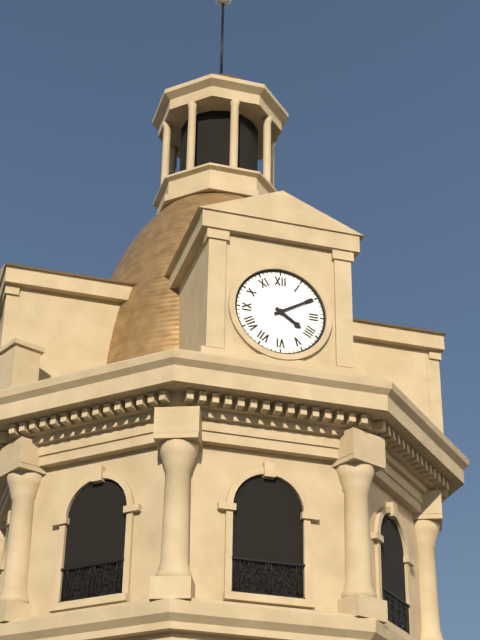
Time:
4:10
